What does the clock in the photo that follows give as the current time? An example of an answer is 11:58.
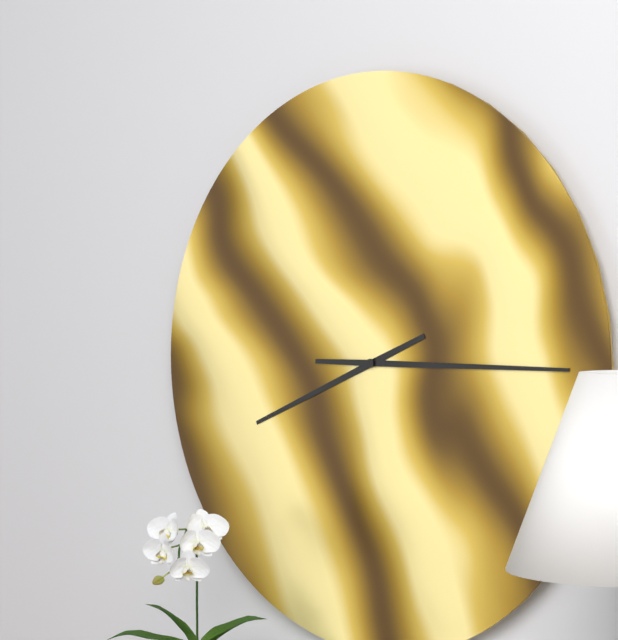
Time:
8:15
